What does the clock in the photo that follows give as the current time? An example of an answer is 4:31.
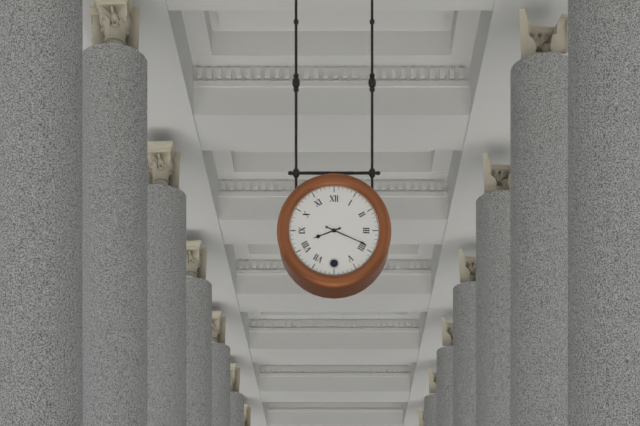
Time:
8:19
